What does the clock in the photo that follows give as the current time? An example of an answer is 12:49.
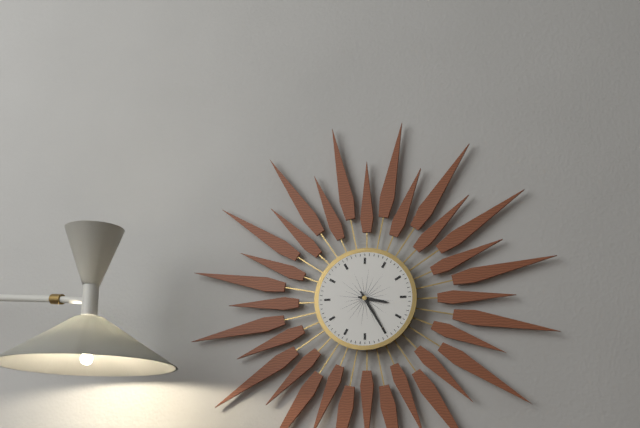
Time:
3:25
